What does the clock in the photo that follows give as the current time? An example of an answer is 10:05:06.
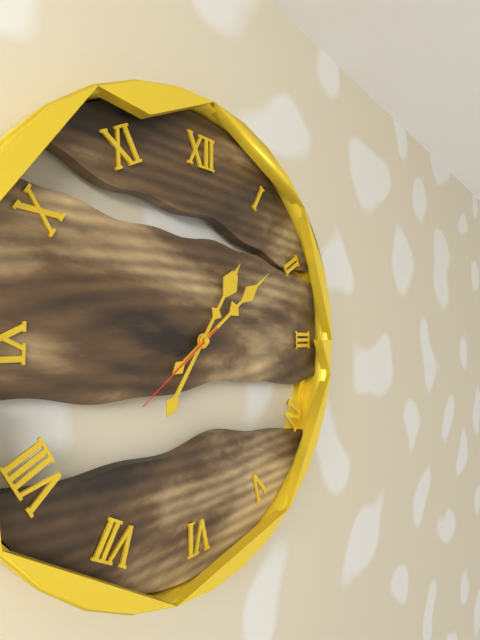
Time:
1:09:39
